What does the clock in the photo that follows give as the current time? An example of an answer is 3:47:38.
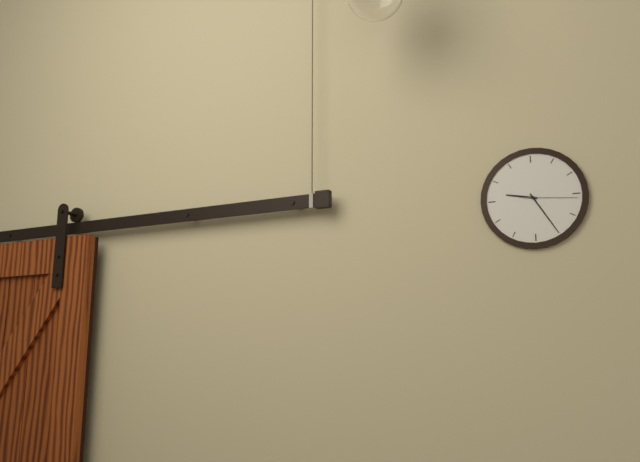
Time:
9:25:16
